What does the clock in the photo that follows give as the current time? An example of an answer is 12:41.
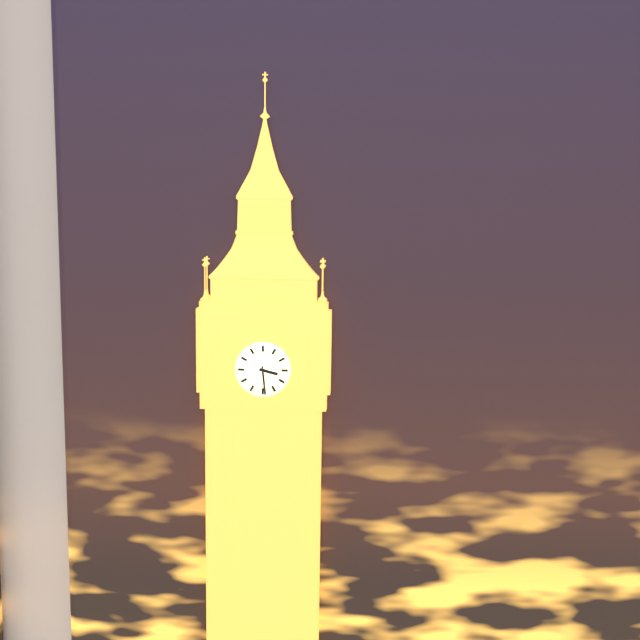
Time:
3:29
